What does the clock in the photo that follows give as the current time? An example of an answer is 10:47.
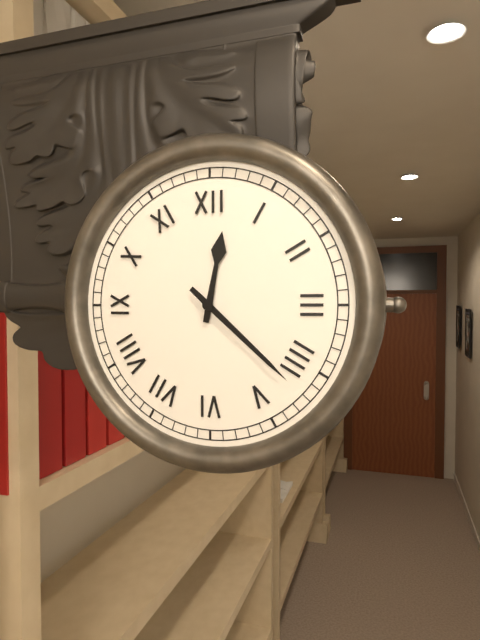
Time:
12:22
